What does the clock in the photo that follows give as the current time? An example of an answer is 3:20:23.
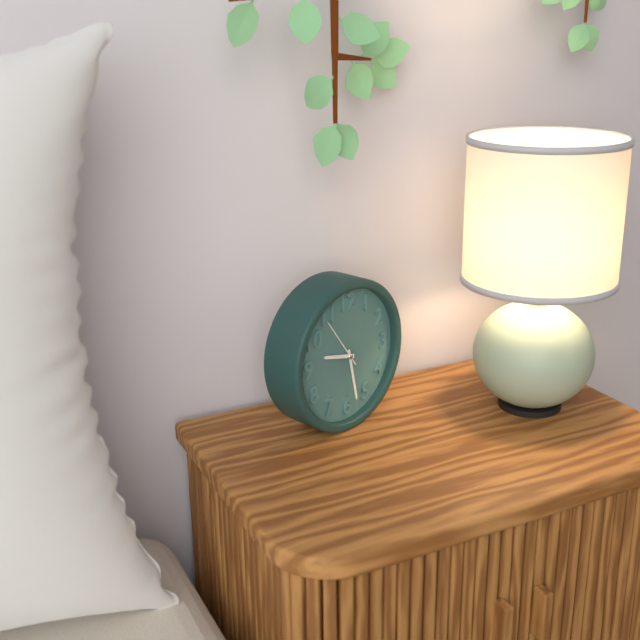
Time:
9:28:54
